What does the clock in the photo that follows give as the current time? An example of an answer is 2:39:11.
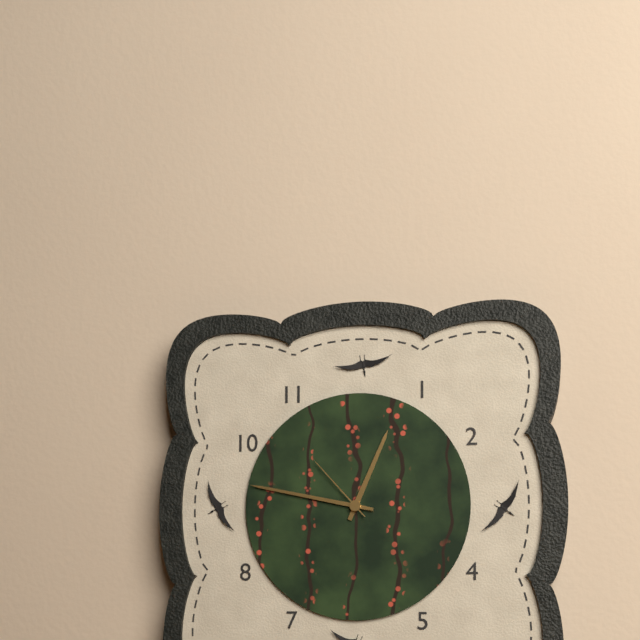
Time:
12:47:53
